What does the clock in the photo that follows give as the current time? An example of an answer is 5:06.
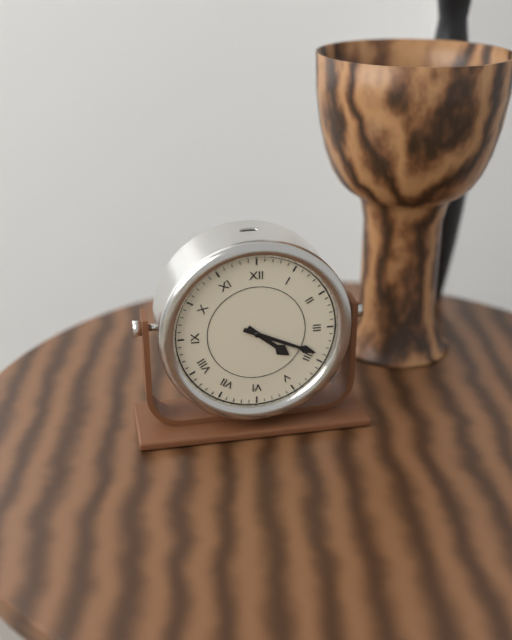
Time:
4:19
